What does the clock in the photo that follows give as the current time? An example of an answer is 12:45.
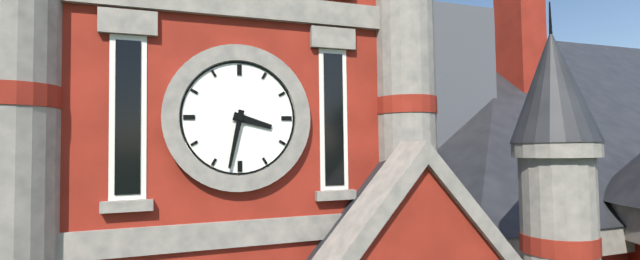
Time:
3:32
